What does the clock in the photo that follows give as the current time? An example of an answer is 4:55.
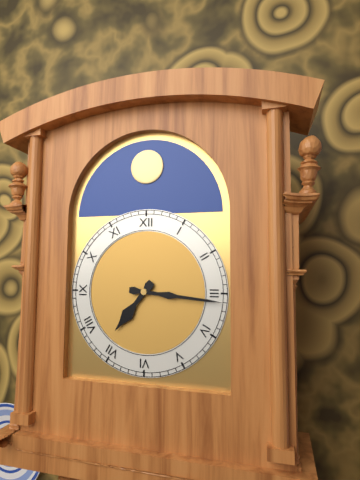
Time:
7:16
